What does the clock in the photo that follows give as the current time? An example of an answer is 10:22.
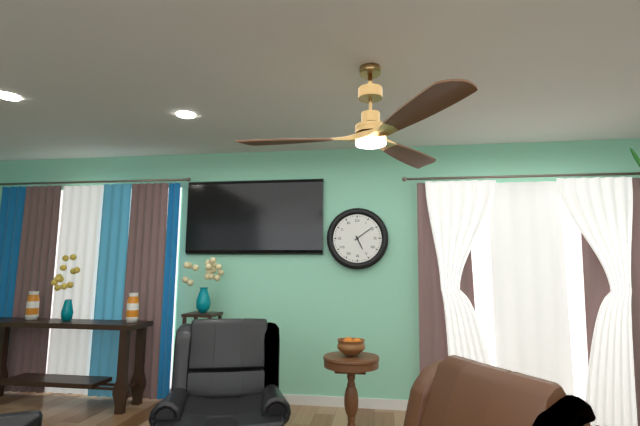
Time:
5:09
